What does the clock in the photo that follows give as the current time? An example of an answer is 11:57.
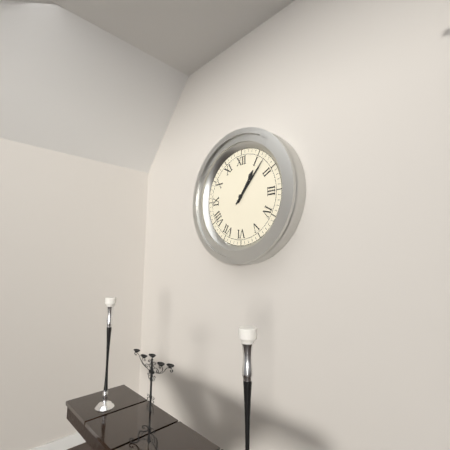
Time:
1:07
